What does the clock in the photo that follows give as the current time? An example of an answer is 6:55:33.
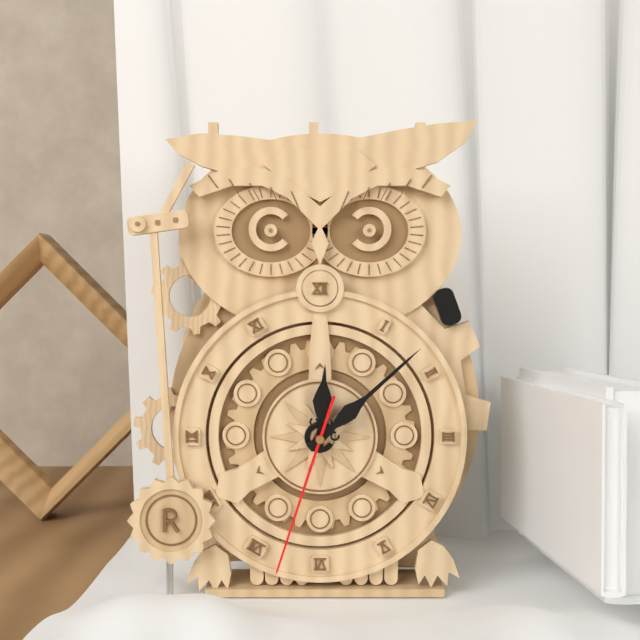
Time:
12:08:33
